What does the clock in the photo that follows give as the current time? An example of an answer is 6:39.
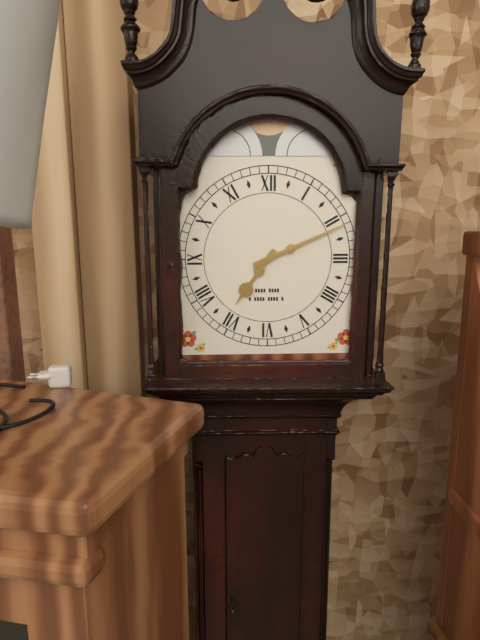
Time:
7:11
